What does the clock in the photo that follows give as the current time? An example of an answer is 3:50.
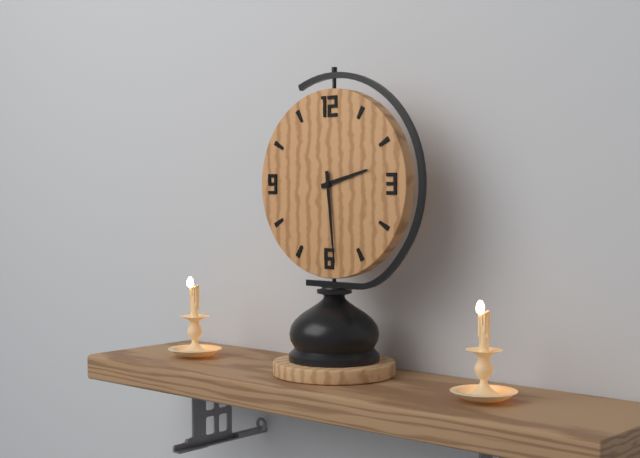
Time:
2:29
